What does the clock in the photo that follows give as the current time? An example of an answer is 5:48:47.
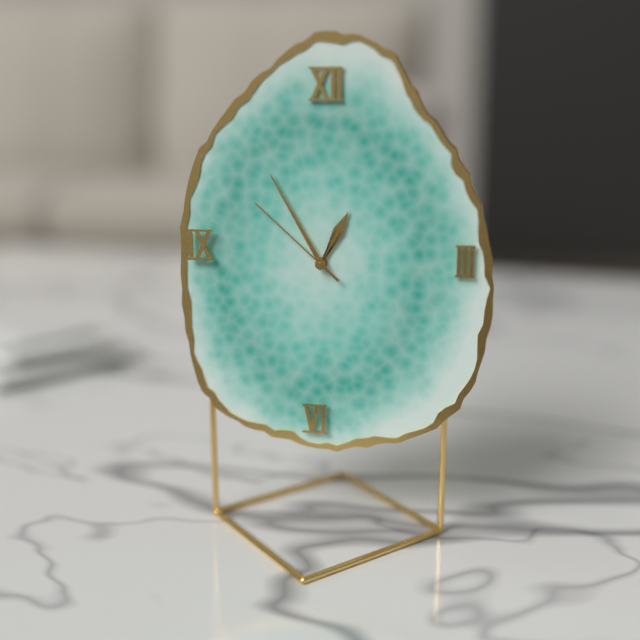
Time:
12:55:52
